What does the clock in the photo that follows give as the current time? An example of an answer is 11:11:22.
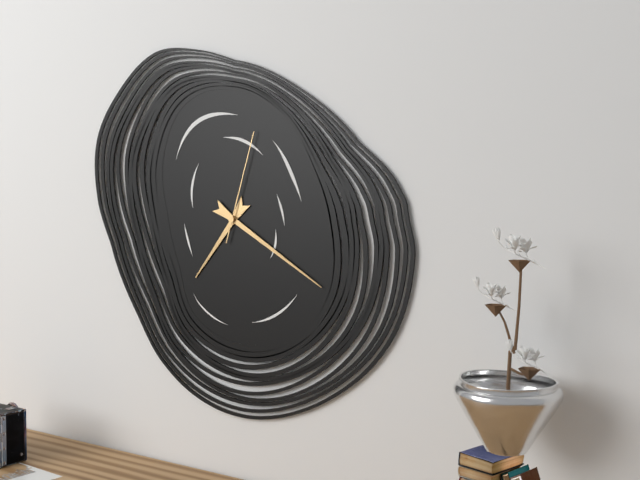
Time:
7:20:03
